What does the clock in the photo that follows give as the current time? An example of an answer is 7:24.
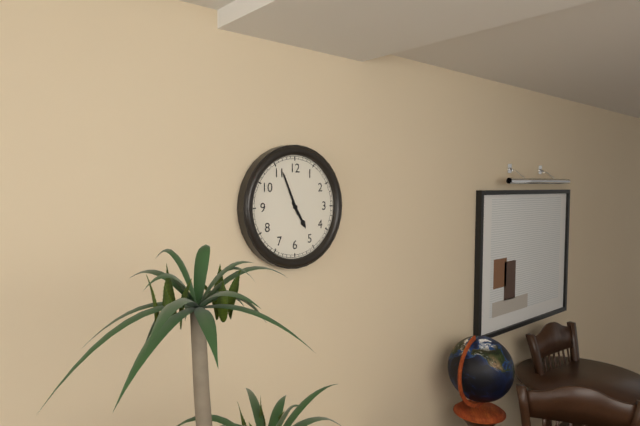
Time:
4:56
